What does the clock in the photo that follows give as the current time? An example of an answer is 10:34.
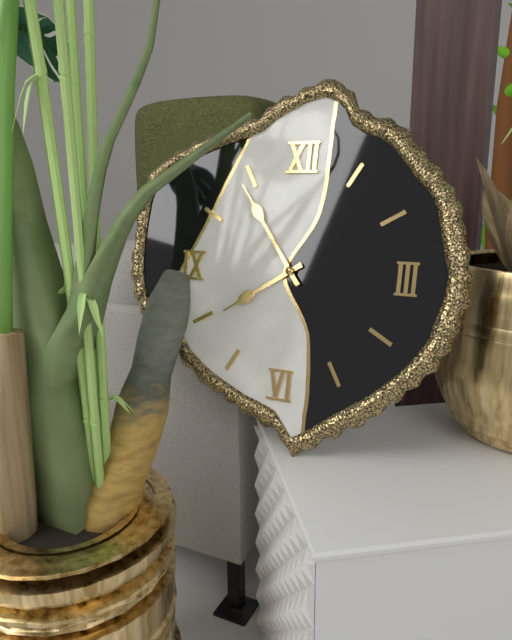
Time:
7:54
